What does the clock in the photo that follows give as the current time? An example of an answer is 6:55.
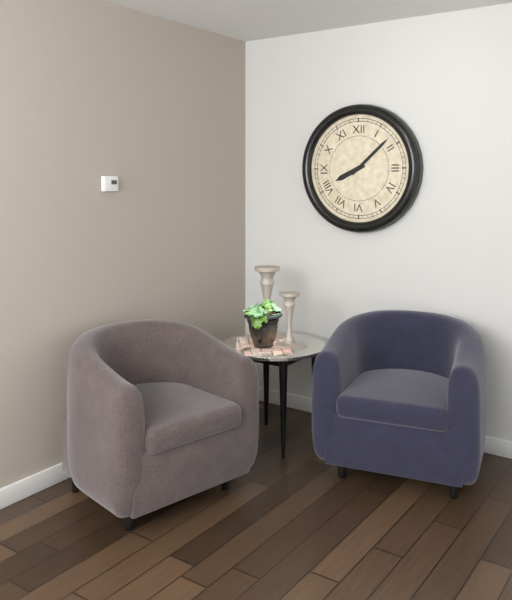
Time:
8:08
